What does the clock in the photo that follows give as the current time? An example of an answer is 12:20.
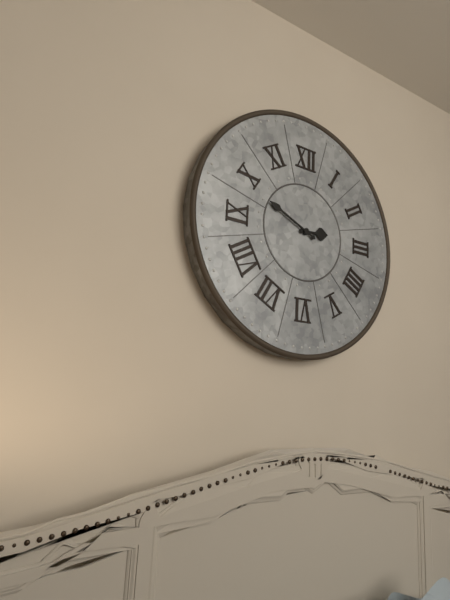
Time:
2:49
